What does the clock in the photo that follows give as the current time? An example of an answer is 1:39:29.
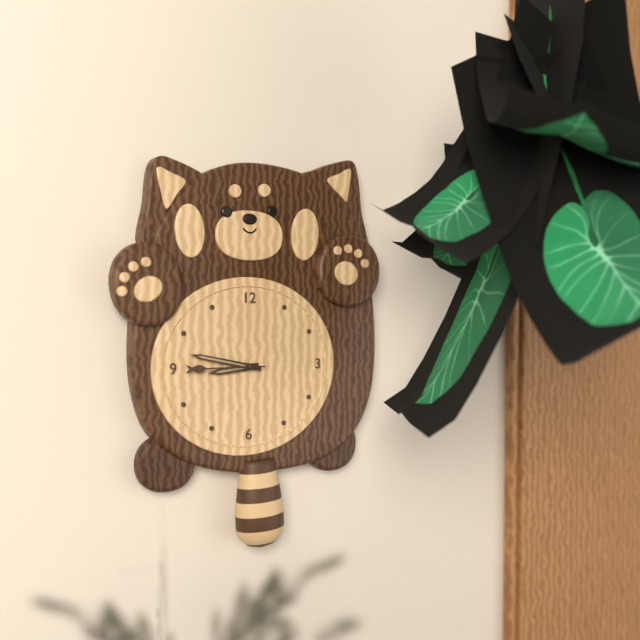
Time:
8:47:45
